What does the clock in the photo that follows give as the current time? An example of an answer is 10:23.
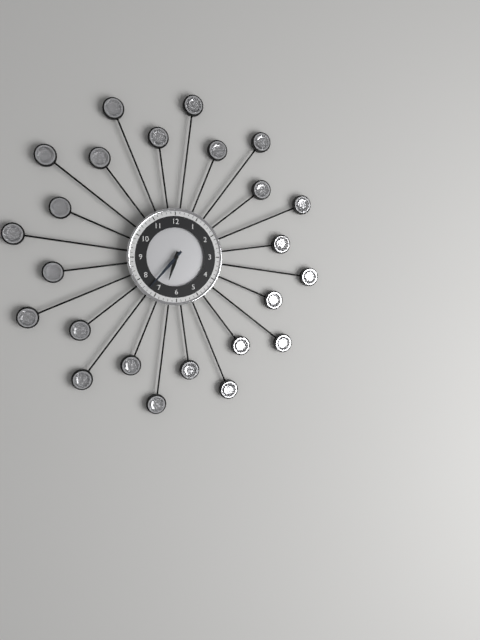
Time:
6:37
